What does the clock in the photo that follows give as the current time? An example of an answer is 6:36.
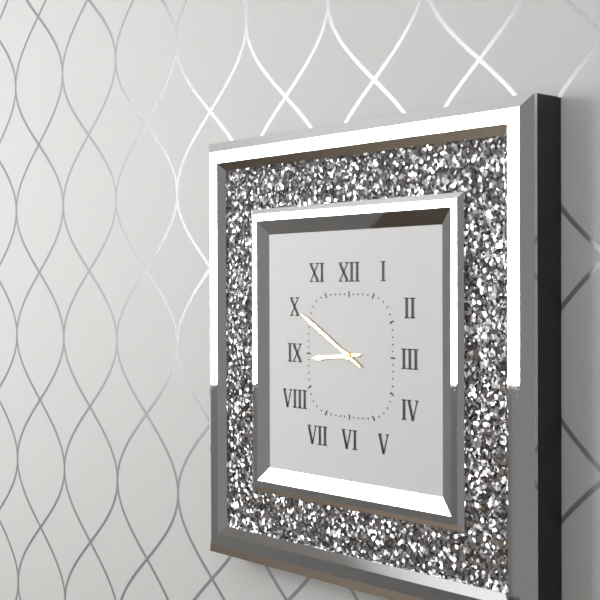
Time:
8:50
